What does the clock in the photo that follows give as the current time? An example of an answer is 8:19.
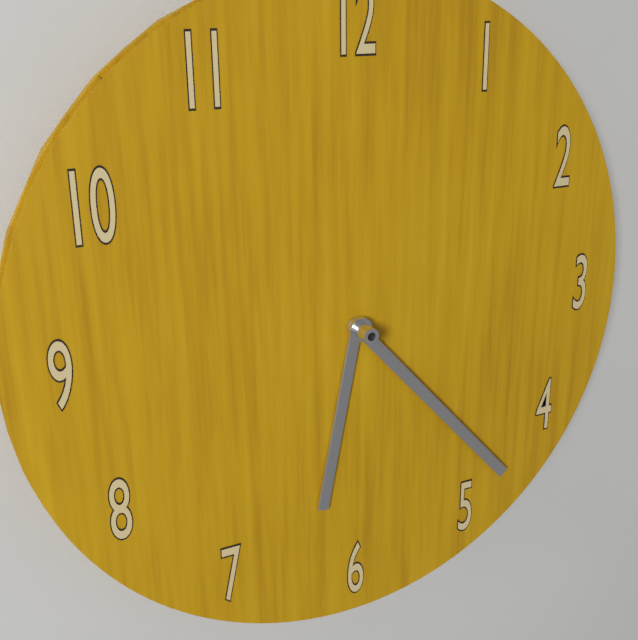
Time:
6:23
